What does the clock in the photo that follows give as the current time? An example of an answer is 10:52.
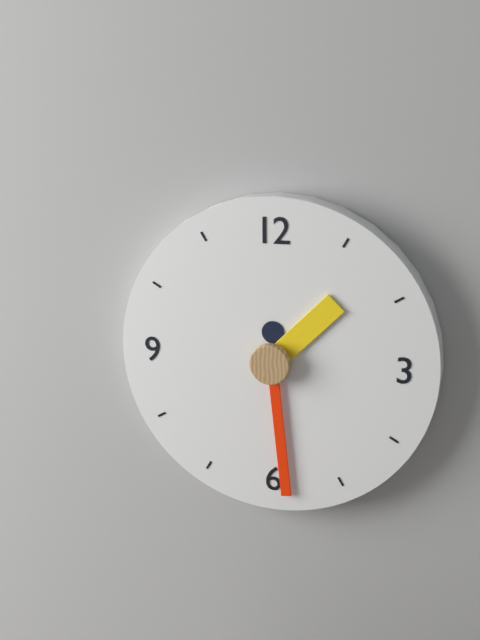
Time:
1:29
